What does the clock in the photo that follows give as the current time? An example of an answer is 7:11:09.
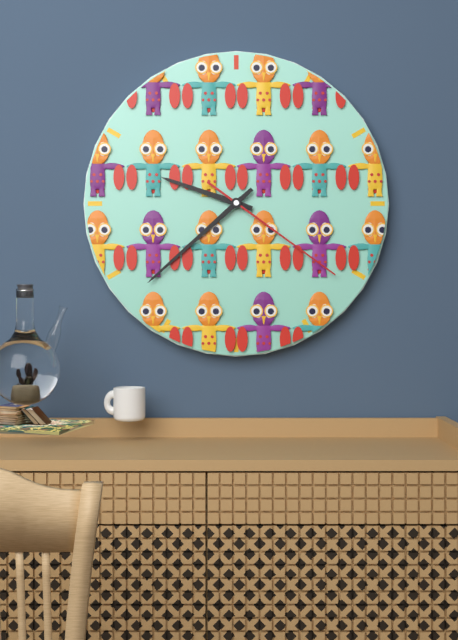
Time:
9:38:21
